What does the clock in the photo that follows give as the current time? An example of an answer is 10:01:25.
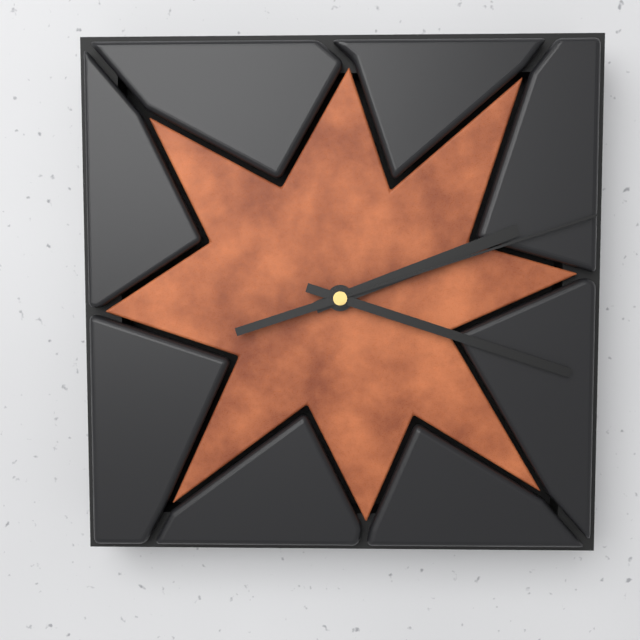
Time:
2:18:12
